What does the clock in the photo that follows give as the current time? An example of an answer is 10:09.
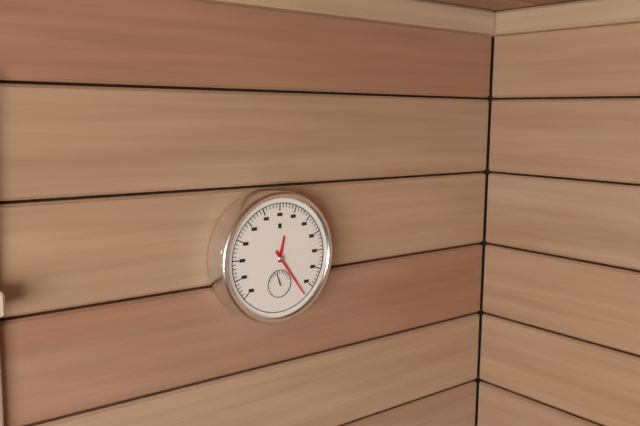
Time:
12:24
